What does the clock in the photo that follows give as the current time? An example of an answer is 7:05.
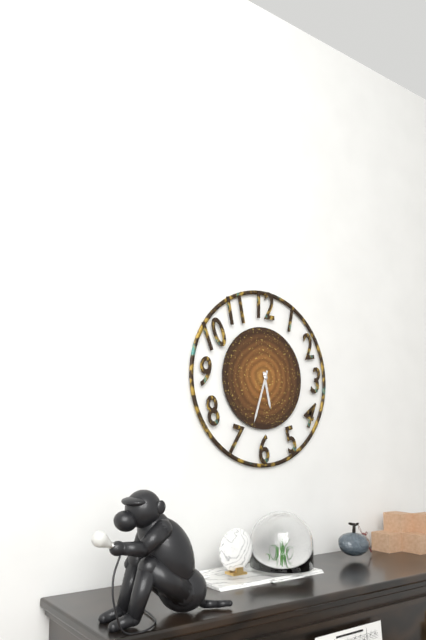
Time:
5:33
